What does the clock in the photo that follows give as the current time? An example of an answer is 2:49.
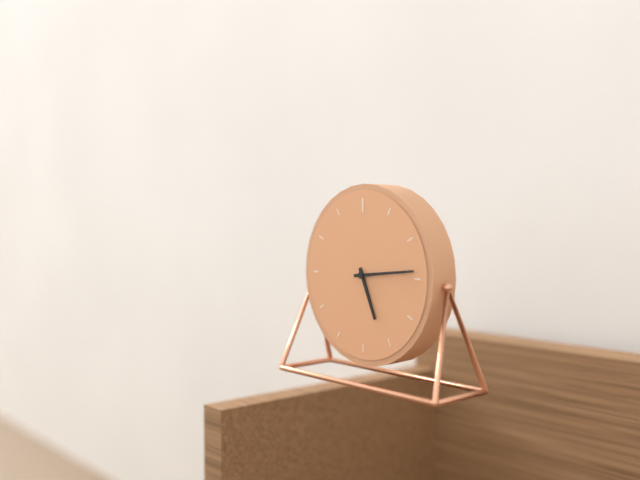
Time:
5:14
